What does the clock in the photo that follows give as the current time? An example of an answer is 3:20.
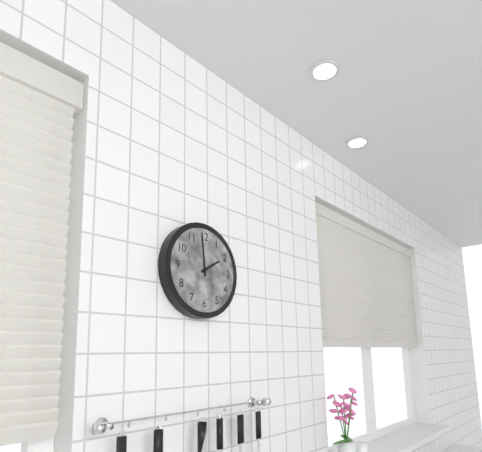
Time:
1:59
